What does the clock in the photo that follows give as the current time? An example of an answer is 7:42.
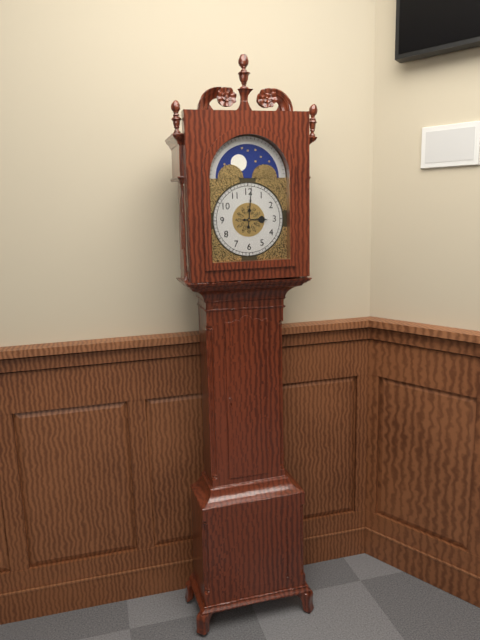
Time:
3:01
